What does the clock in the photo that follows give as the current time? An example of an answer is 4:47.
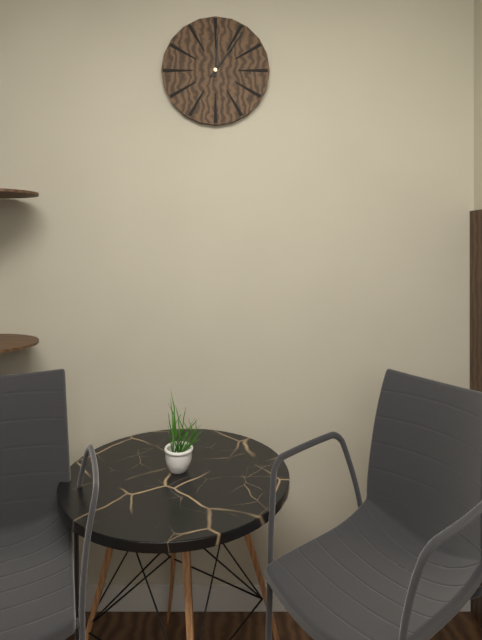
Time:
12:06
